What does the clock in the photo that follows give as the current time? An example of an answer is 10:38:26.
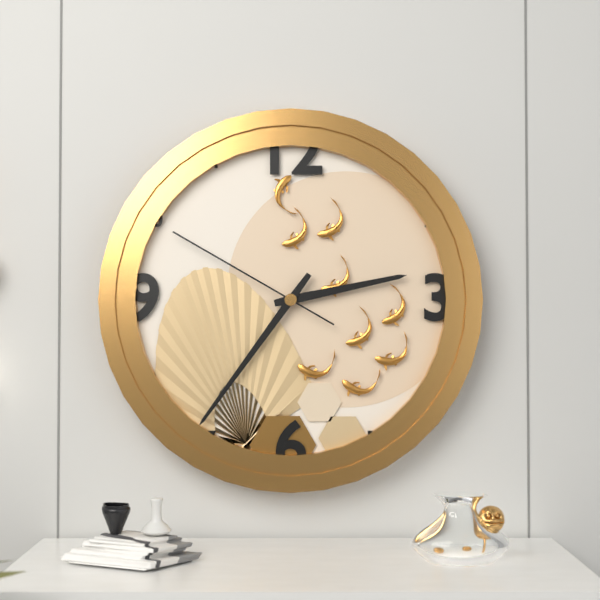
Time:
2:36:50
